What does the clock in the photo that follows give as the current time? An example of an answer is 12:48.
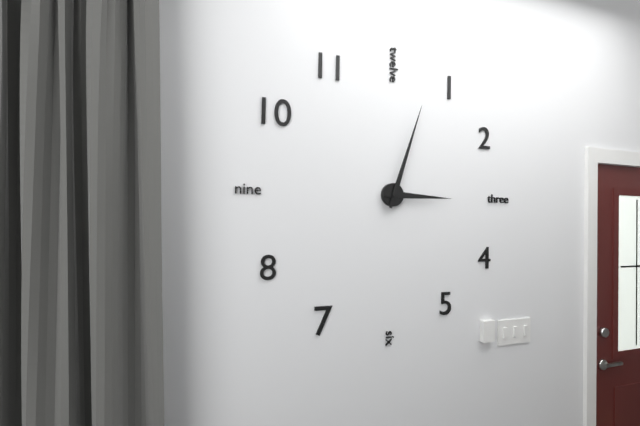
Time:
3:03
